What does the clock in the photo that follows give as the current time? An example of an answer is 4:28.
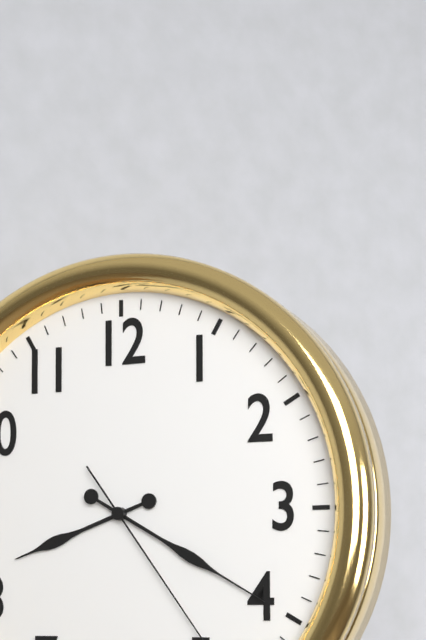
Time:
8:20
